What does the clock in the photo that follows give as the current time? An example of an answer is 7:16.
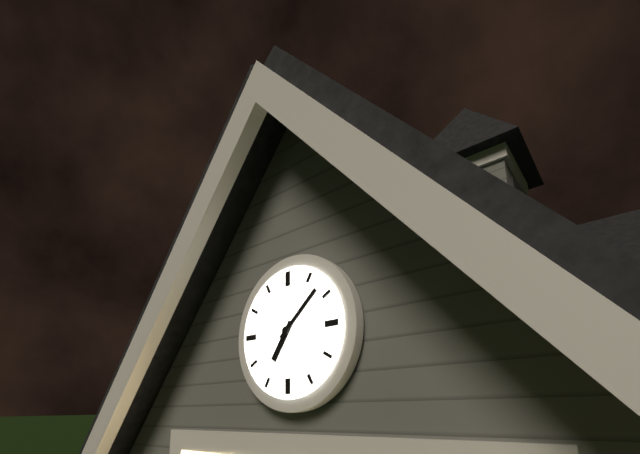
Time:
7:08
